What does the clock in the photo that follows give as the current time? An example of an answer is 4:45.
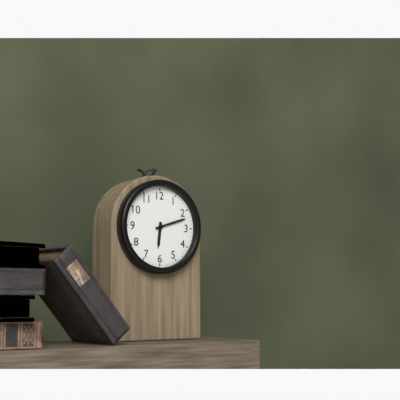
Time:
6:12
